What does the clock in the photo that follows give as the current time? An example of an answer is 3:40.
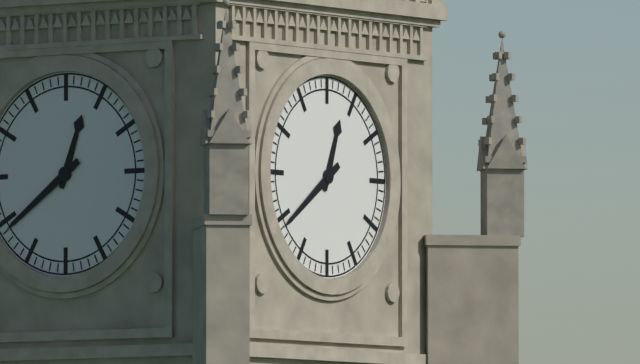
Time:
12:39
